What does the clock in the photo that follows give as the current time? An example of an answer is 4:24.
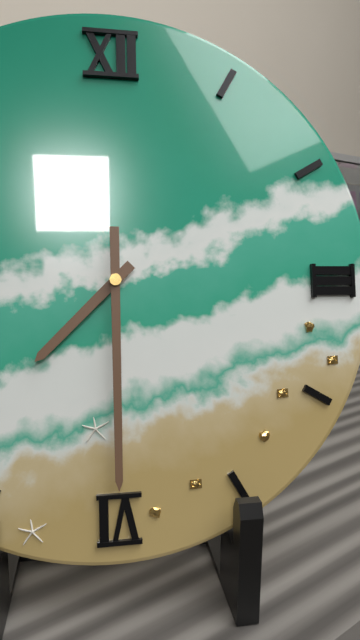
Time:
7:30
